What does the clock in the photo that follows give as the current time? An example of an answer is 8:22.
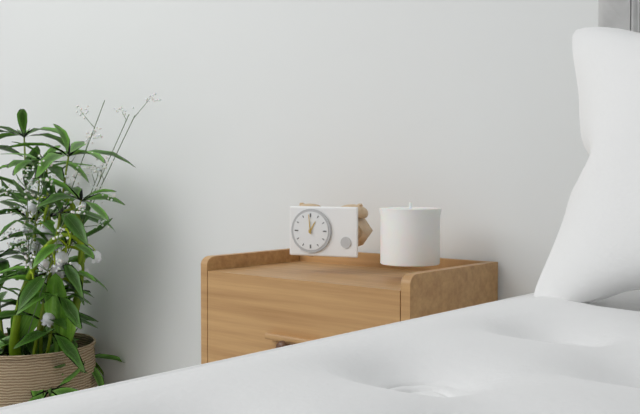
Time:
12:59
